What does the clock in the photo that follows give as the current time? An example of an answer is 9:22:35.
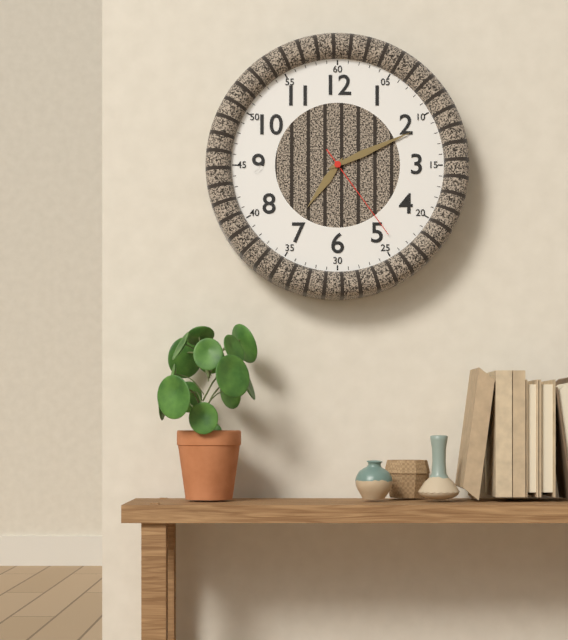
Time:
7:11:24
